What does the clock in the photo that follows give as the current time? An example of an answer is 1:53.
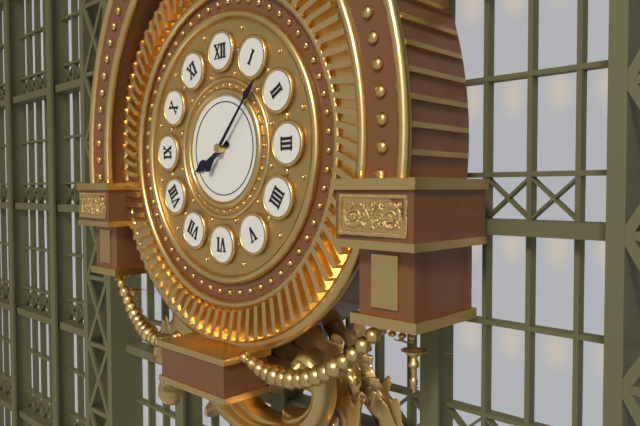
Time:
8:07
